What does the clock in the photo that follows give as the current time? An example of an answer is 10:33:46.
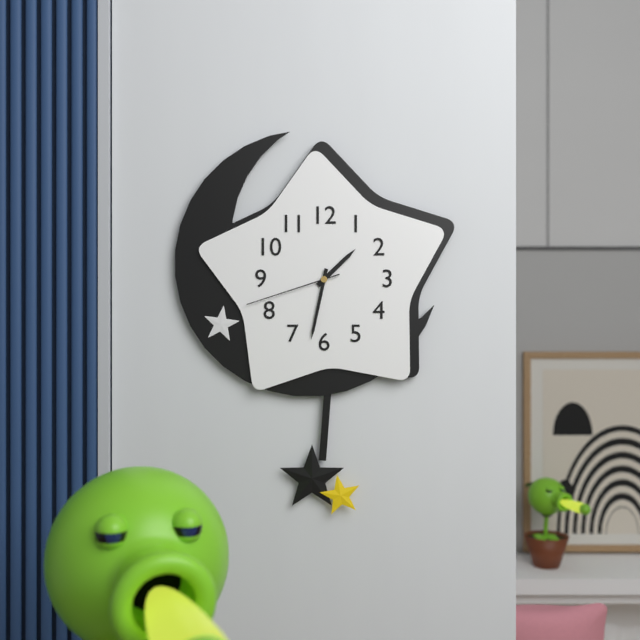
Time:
1:32:42
